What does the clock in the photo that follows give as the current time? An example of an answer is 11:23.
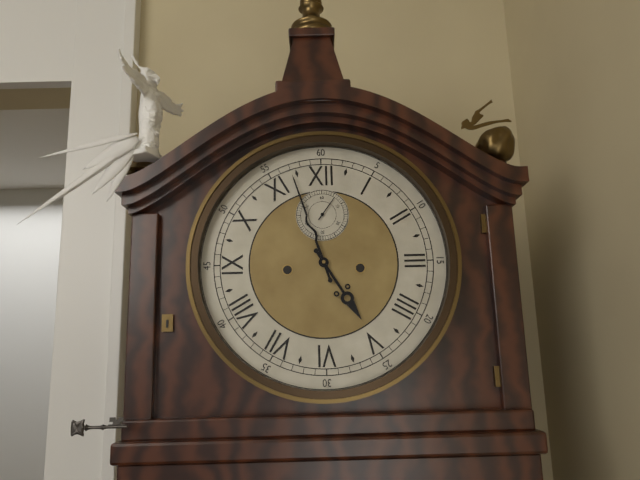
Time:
4:57
